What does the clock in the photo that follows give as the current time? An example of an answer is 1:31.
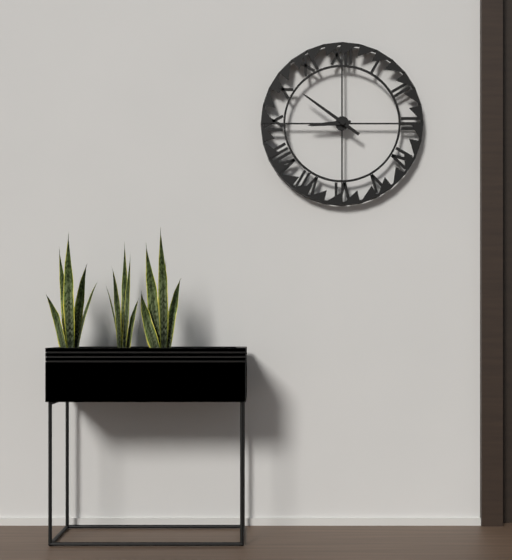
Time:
8:51
